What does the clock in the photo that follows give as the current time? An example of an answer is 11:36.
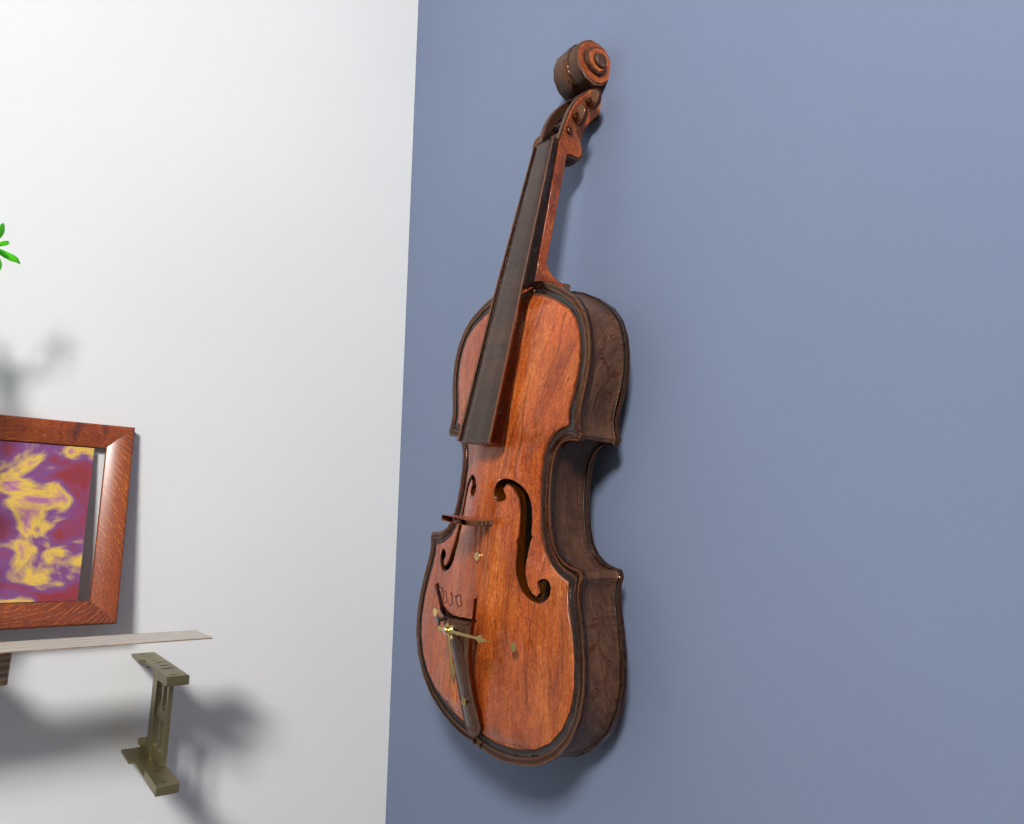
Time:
5:14
